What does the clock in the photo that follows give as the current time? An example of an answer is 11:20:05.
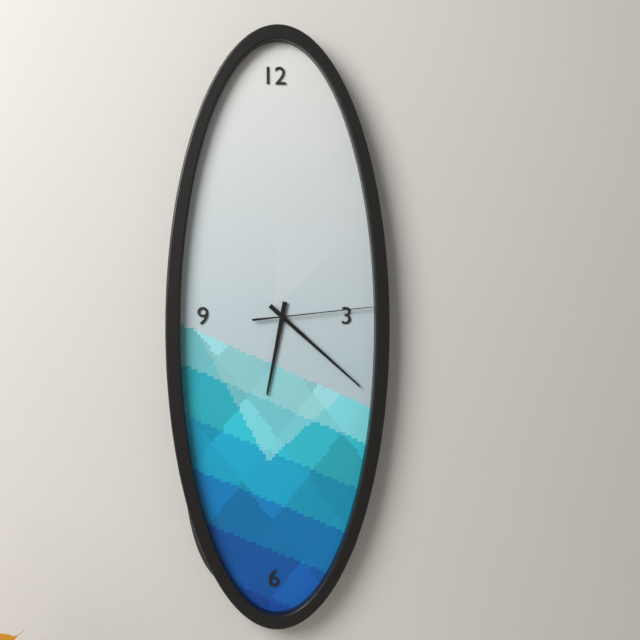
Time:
6:22:14
